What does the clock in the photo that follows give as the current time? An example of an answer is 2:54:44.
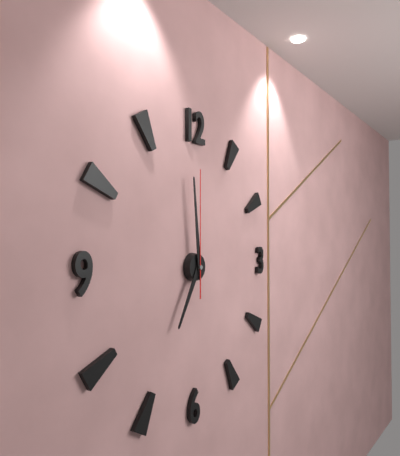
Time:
6:59:00
